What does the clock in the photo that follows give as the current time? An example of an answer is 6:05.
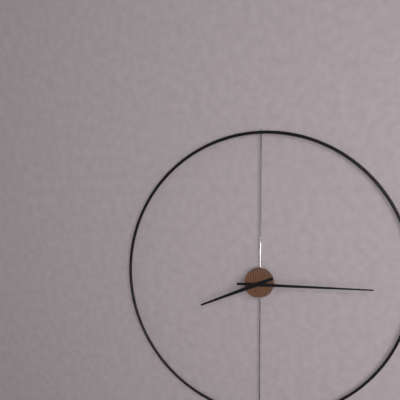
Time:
8:15
